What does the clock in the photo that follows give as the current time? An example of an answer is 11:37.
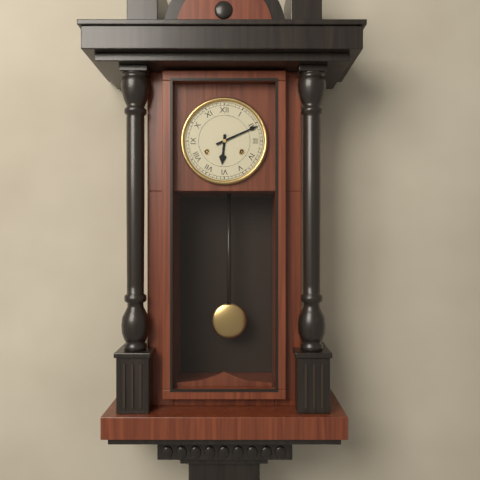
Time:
6:11
